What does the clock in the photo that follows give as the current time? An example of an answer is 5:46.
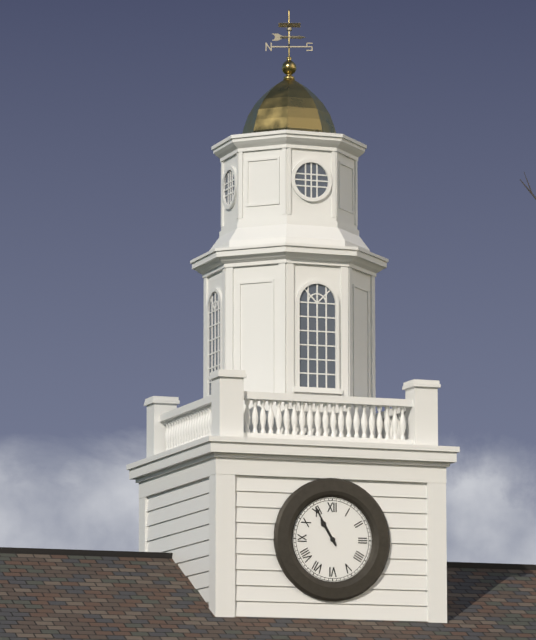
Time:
10:55
